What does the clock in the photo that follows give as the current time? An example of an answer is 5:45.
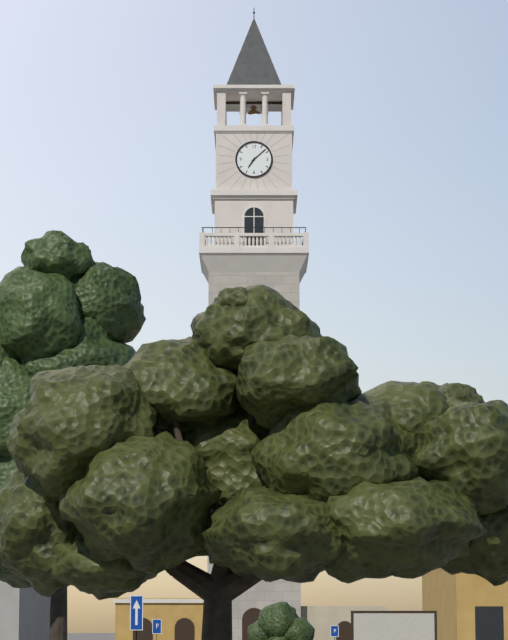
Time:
7:08
